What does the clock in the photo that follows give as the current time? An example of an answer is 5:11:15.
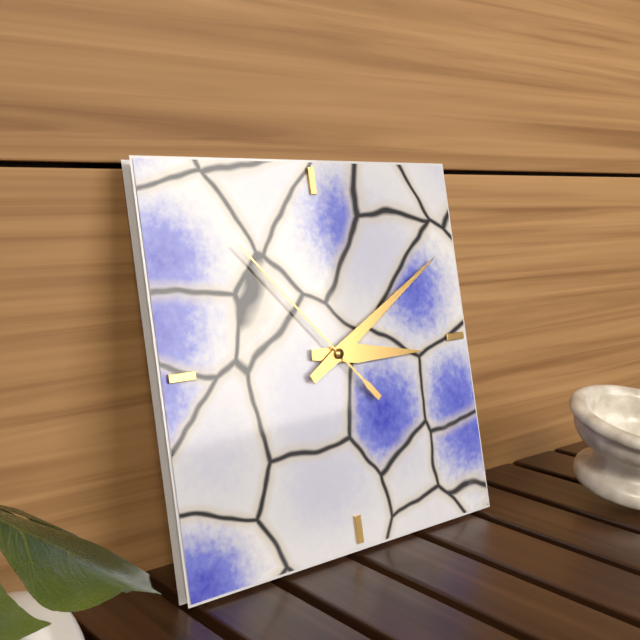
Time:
3:10:53
